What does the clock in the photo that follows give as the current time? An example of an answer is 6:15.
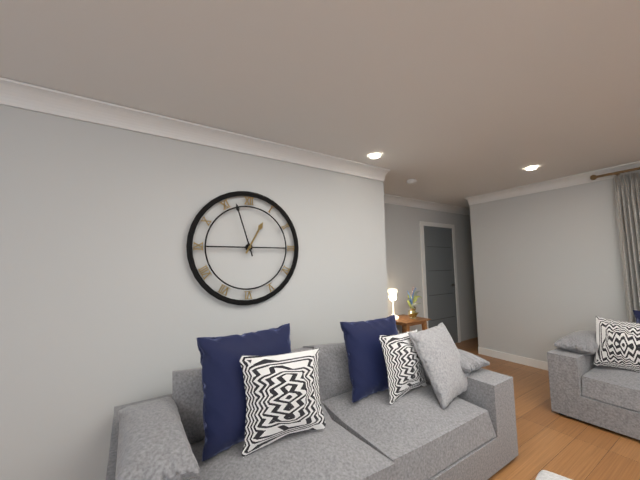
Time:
12:57
